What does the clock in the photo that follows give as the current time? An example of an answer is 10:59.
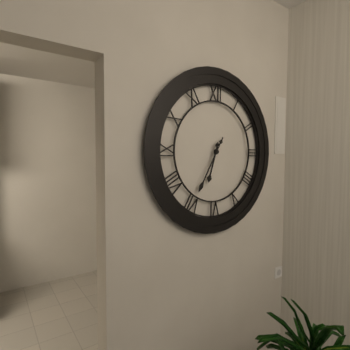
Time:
6:35
